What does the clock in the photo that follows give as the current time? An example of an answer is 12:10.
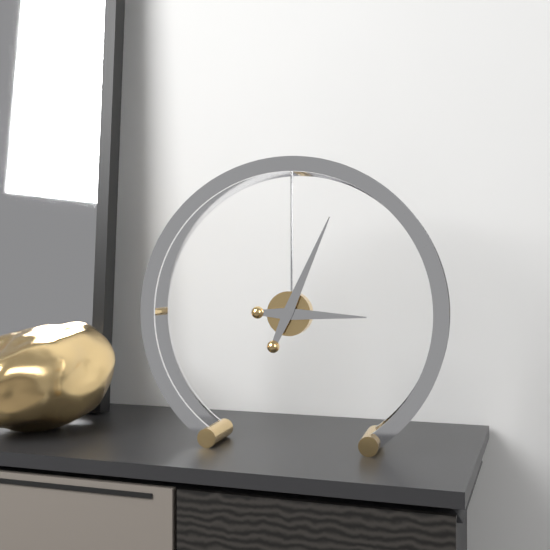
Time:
3:04
